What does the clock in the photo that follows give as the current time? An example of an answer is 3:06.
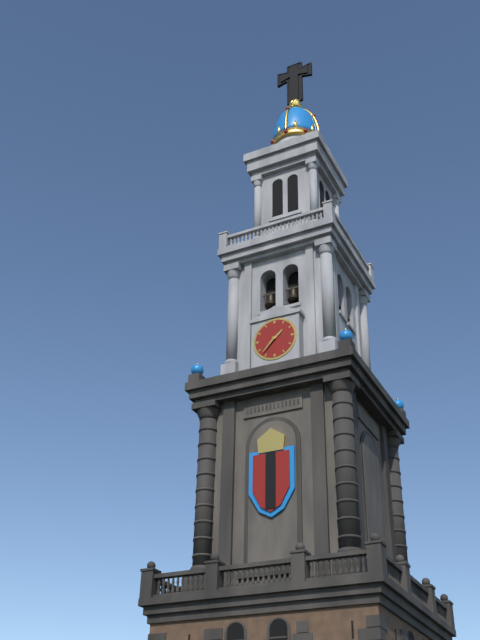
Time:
1:37
